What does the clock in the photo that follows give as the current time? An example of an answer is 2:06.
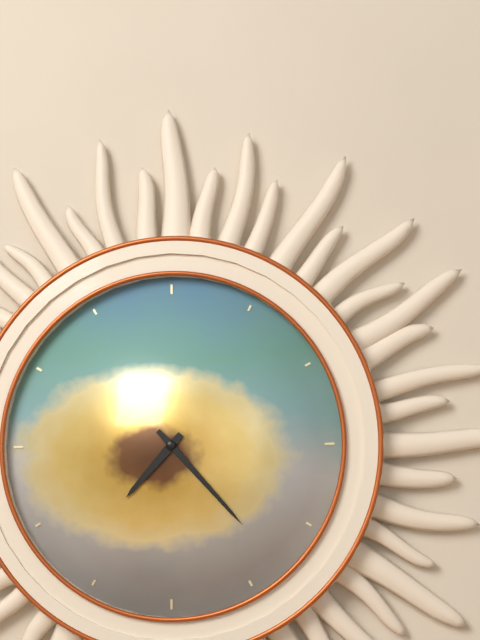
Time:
7:23
